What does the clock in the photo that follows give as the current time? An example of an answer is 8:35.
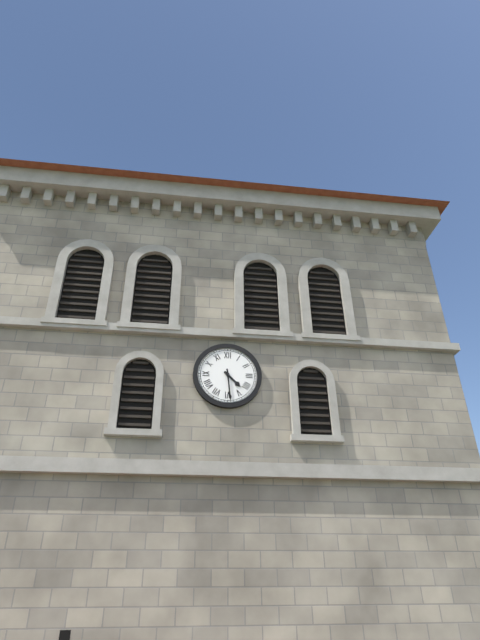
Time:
4:29
